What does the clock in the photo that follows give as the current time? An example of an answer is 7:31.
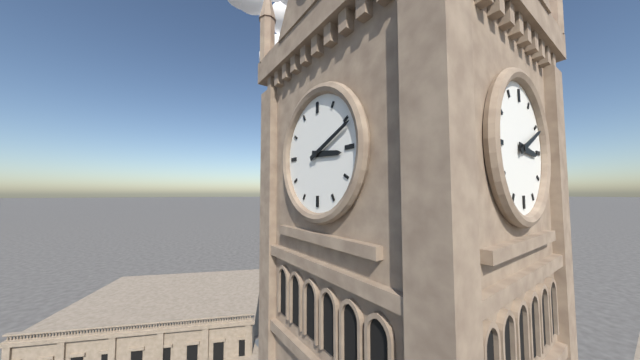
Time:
3:11
